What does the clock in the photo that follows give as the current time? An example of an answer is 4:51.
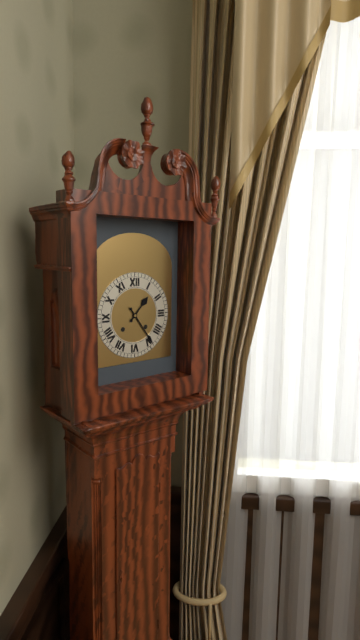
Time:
1:24
